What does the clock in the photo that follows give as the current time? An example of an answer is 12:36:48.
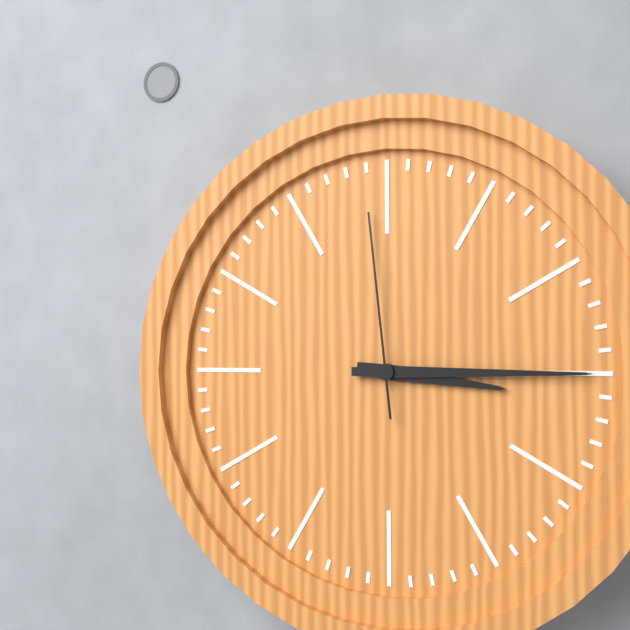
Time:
3:15:59
